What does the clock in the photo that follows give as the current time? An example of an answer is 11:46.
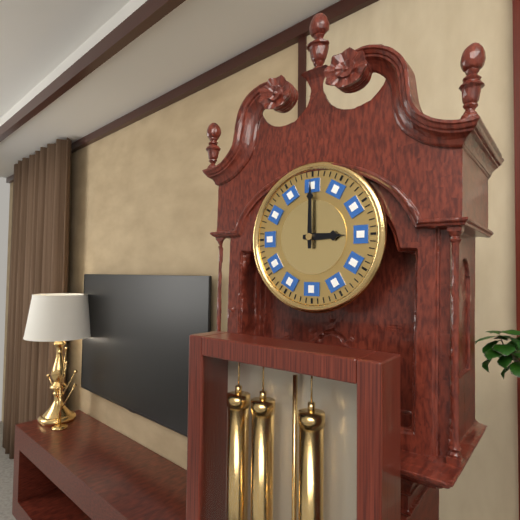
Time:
3:00
